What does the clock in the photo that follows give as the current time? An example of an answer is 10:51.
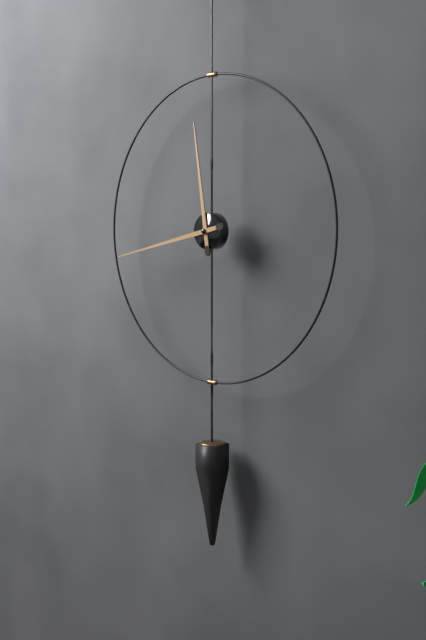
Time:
11:43
